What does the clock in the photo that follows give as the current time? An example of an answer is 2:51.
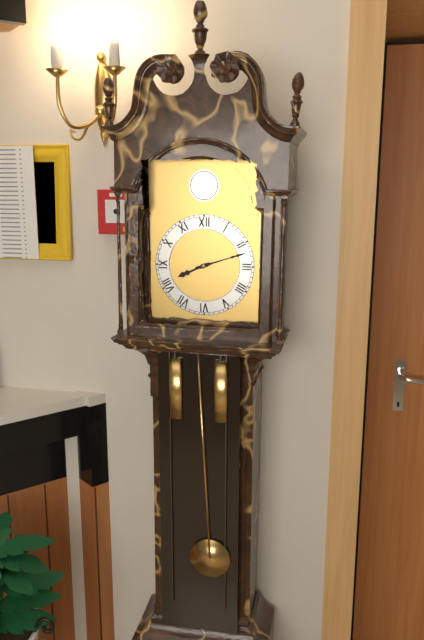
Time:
8:12
